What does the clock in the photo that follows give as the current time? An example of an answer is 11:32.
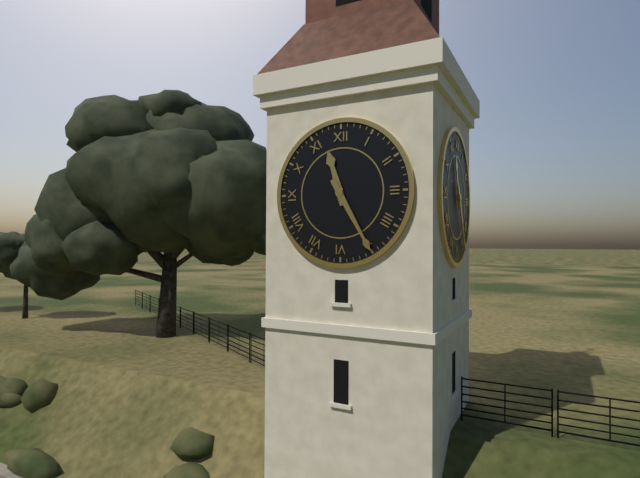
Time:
11:25
